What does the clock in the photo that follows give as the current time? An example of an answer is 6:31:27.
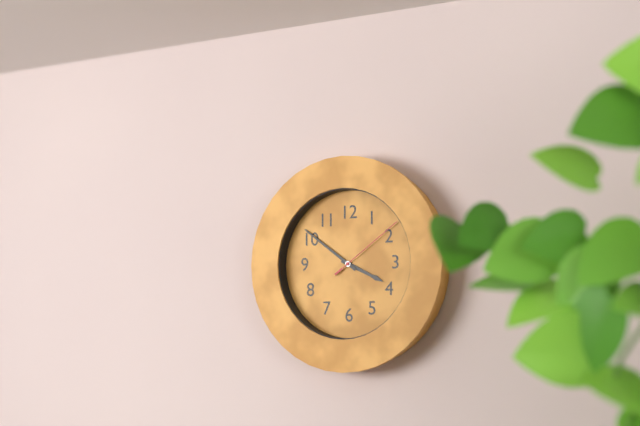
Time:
3:51:09
